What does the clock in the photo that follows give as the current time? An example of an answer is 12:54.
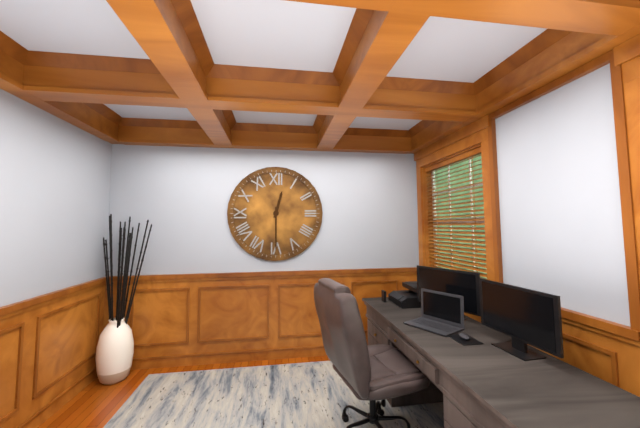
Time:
12:30
